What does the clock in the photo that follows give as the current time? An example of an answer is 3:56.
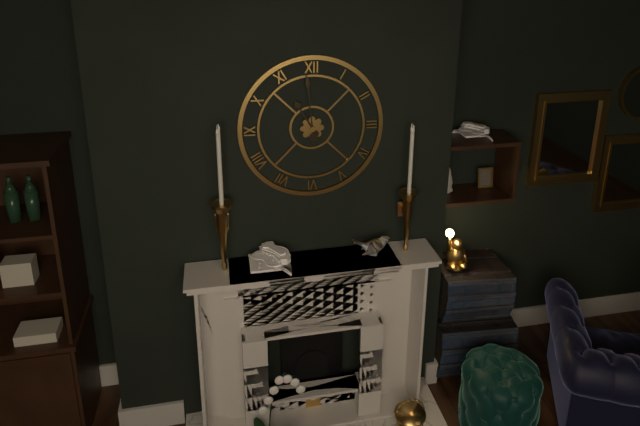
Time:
10:59
